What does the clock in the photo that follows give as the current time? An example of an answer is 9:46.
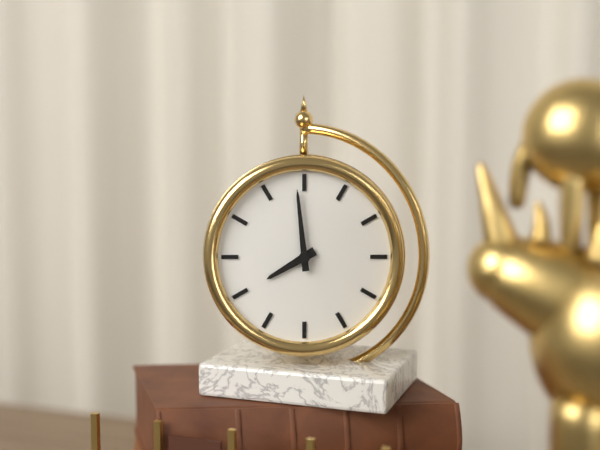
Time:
7:59
